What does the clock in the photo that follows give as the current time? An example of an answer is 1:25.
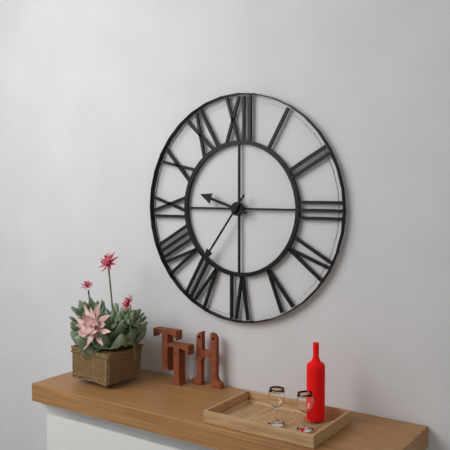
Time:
9:36
